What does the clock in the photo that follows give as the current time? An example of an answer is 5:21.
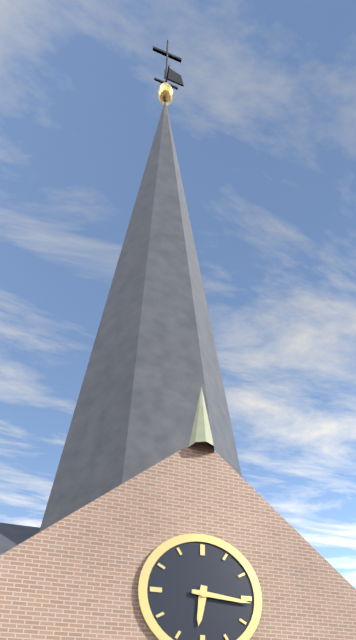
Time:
6:16
